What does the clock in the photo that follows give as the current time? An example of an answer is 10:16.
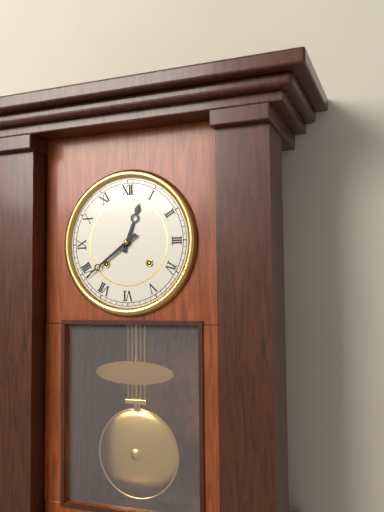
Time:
12:39
